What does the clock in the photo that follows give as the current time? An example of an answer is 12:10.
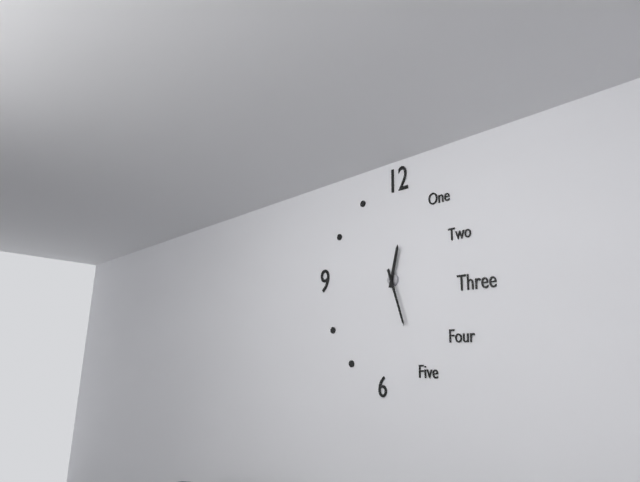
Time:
12:27
